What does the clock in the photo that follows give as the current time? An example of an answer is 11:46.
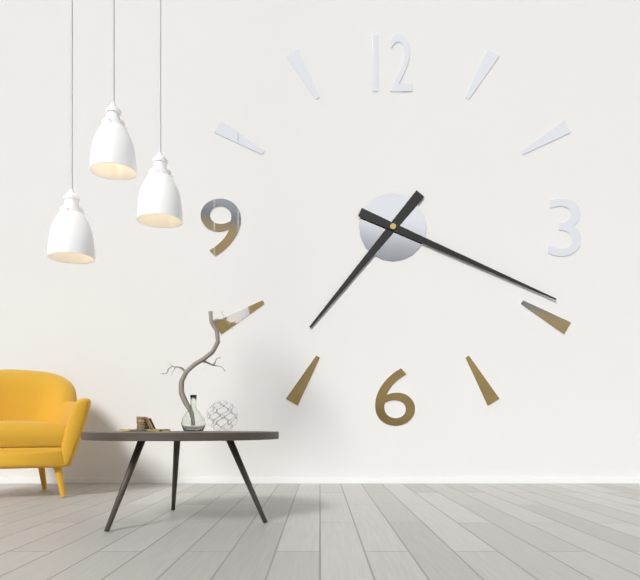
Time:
7:19
